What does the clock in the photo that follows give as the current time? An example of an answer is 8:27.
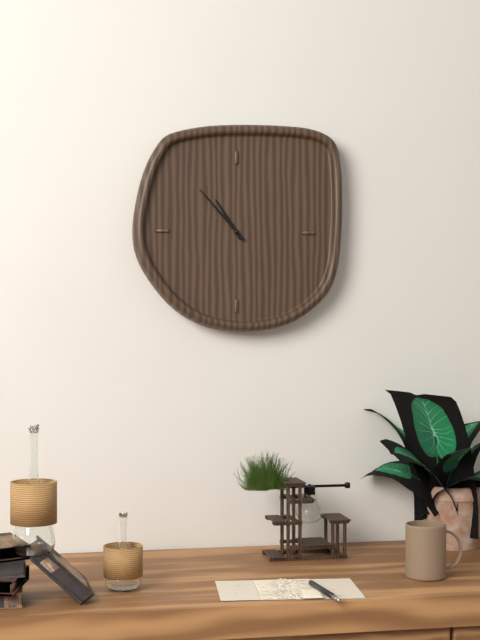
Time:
10:53
